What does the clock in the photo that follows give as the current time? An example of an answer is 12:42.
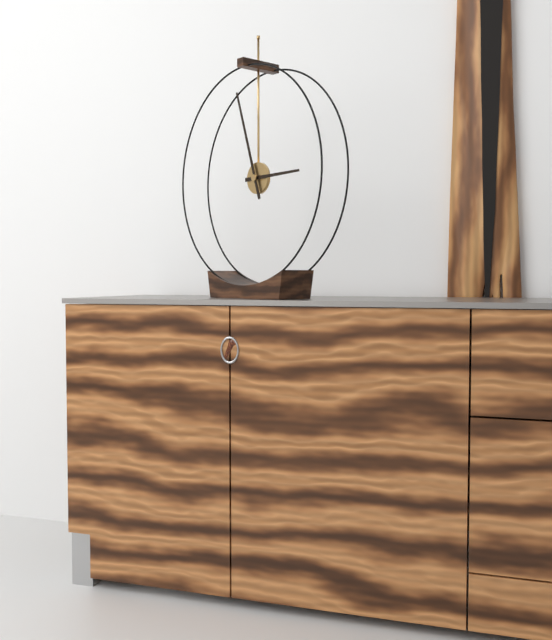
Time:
2:57
